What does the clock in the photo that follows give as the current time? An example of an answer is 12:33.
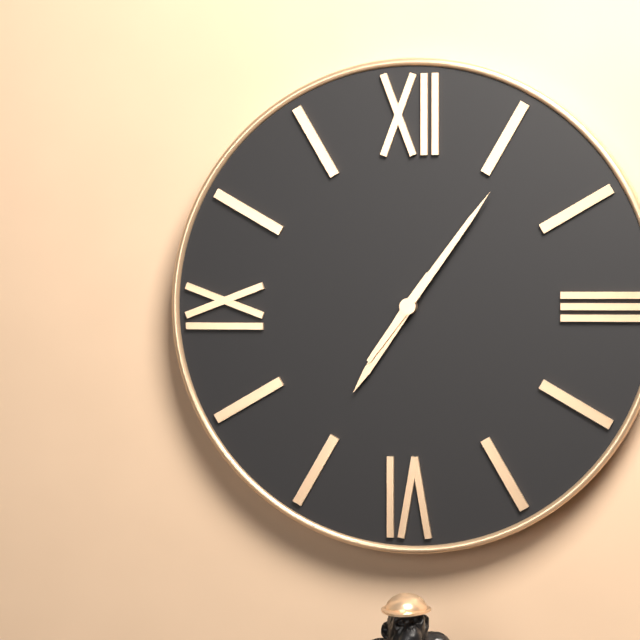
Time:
7:06
